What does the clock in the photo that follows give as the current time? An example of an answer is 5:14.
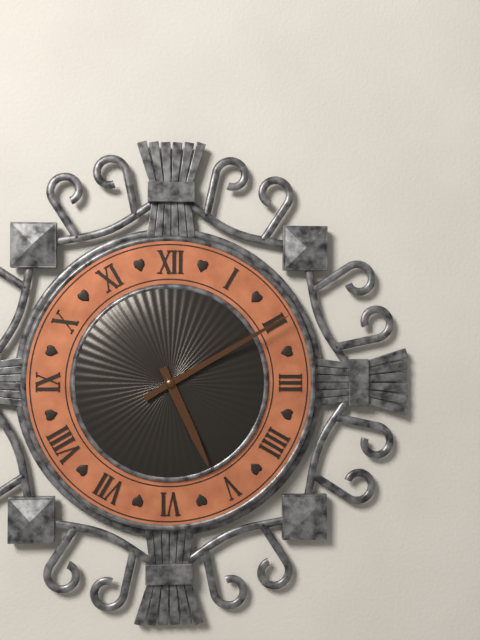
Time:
5:10
